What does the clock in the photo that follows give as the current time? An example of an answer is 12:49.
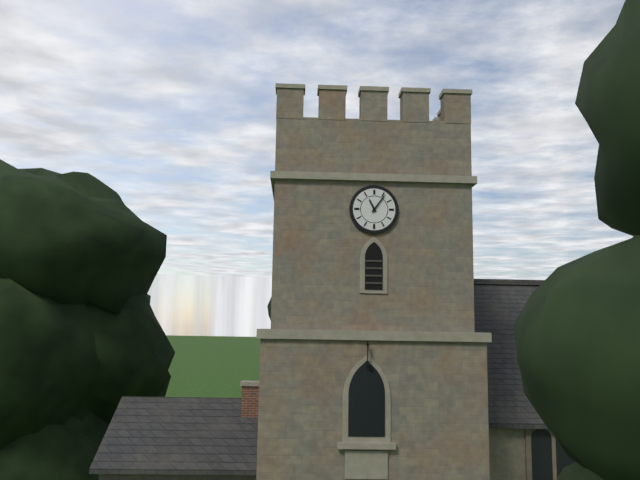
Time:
11:06
